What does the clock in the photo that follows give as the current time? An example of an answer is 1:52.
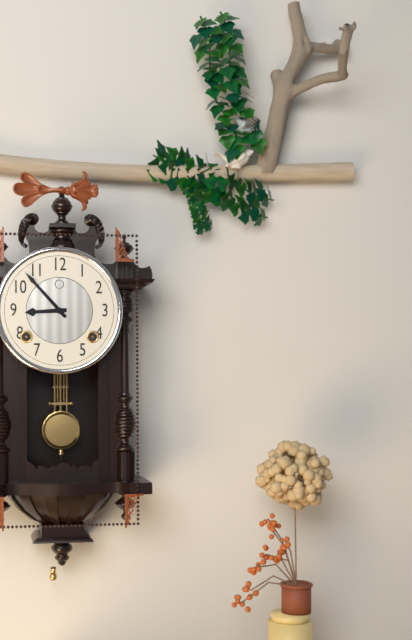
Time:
8:53
